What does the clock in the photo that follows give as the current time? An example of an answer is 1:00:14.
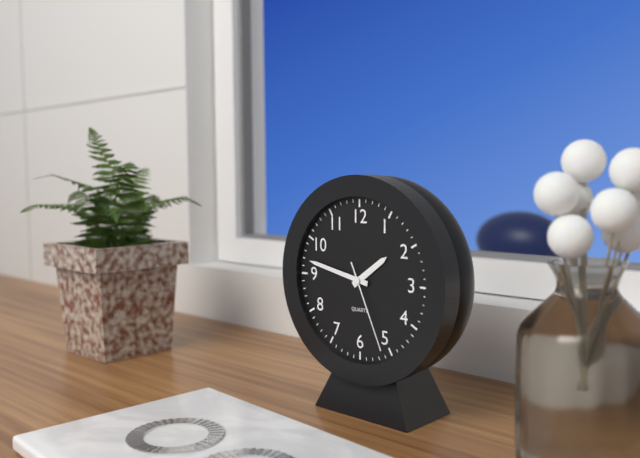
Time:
1:47:26
